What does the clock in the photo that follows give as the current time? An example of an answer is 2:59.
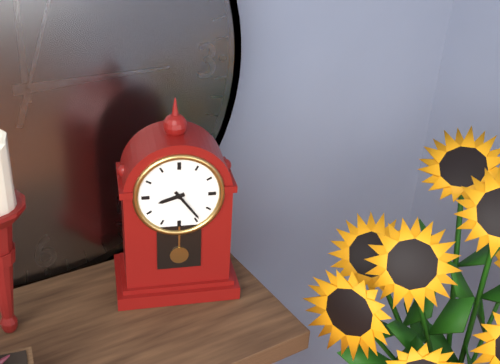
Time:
8:24
